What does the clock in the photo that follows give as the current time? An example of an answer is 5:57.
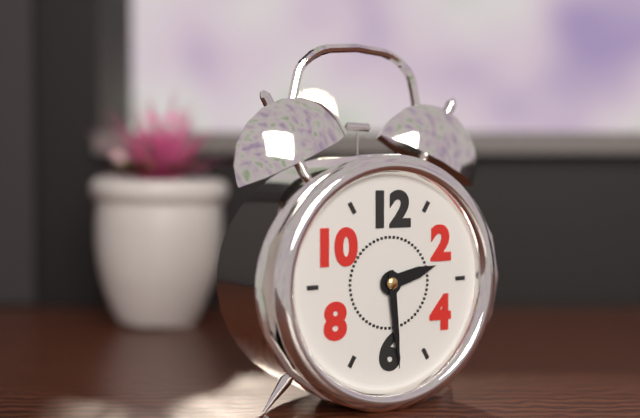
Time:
2:29
